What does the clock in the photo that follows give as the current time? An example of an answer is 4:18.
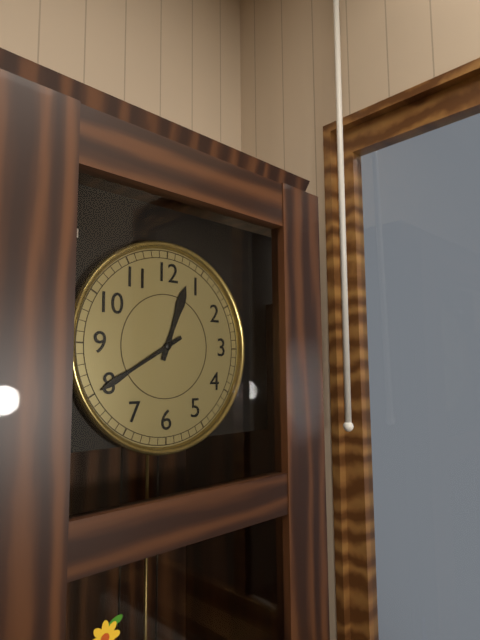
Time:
12:40
